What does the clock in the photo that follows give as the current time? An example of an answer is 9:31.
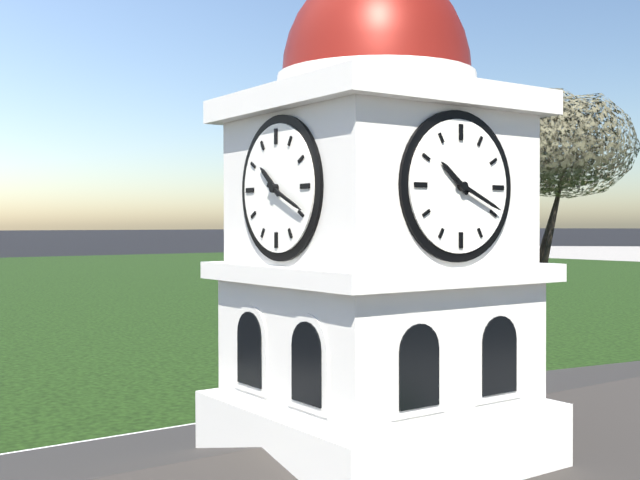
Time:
10:19
